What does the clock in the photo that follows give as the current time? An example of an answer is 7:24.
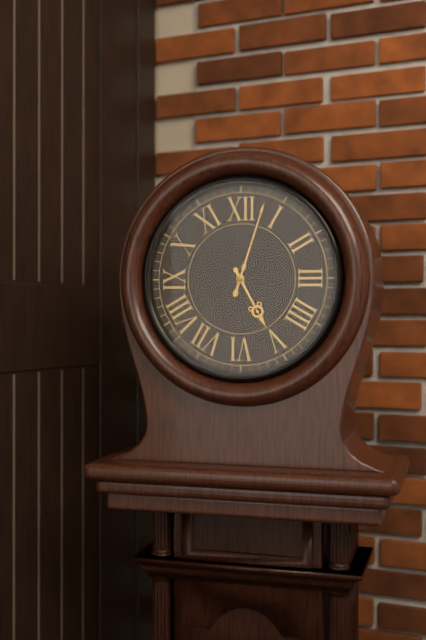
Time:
5:03
